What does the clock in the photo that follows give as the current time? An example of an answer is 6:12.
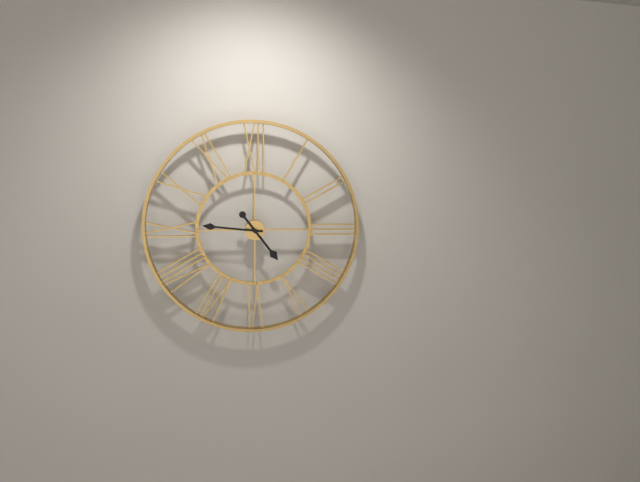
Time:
4:46
